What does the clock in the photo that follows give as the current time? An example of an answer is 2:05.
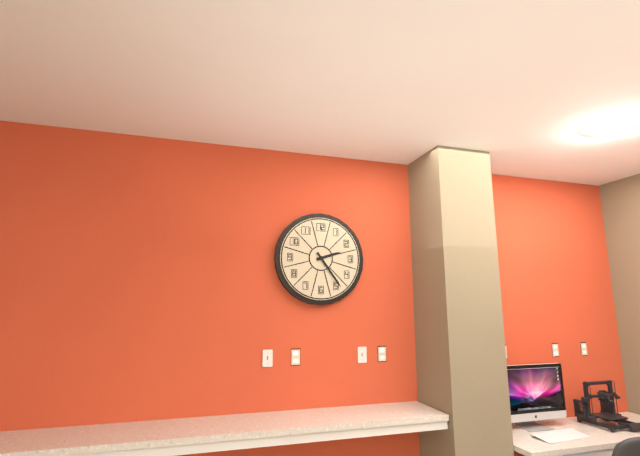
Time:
2:24
